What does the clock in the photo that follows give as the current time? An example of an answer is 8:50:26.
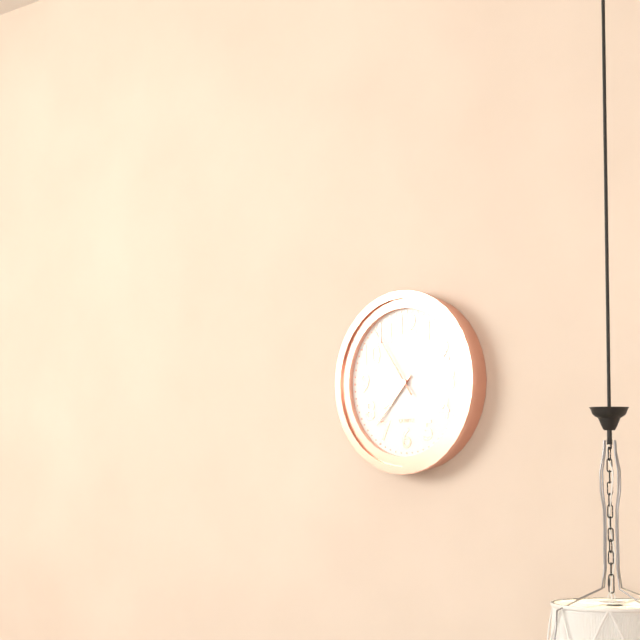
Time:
7:37:54
